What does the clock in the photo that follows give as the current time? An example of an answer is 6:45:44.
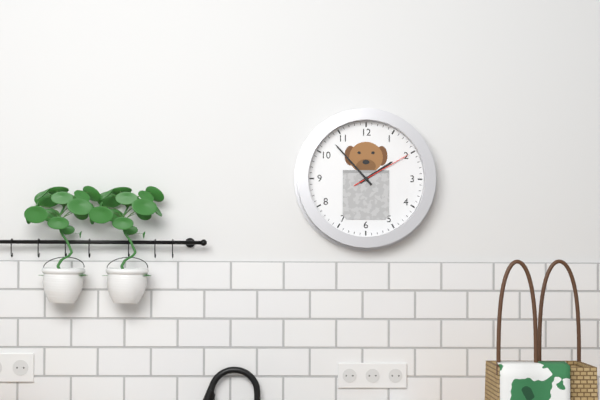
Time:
1:53:10
